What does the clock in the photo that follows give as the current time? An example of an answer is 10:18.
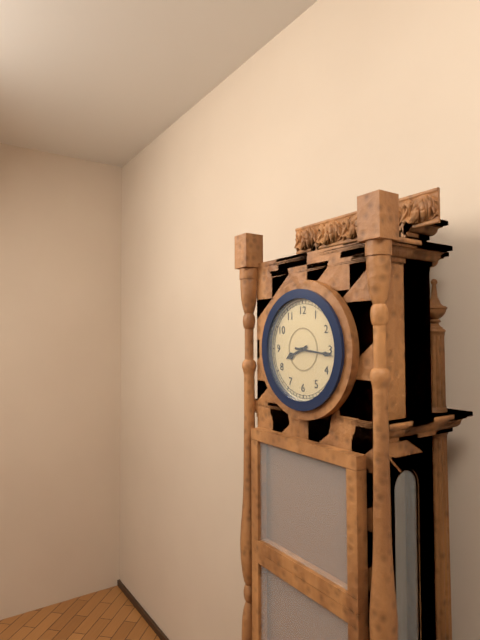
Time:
8:16
